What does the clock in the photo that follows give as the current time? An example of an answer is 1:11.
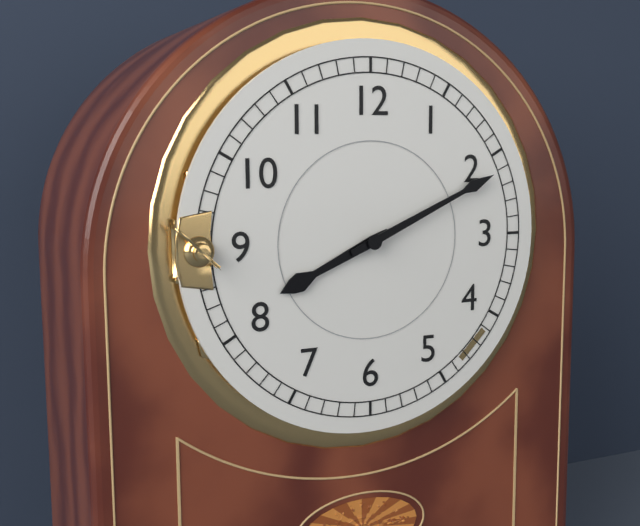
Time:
8:11
